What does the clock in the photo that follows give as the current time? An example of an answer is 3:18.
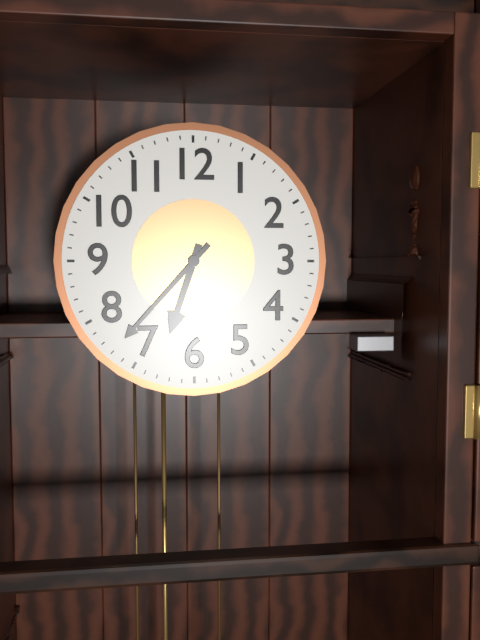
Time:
6:37
